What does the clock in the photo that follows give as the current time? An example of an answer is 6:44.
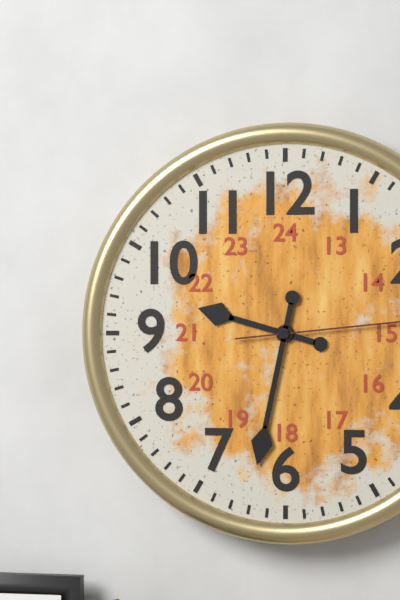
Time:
9:32
